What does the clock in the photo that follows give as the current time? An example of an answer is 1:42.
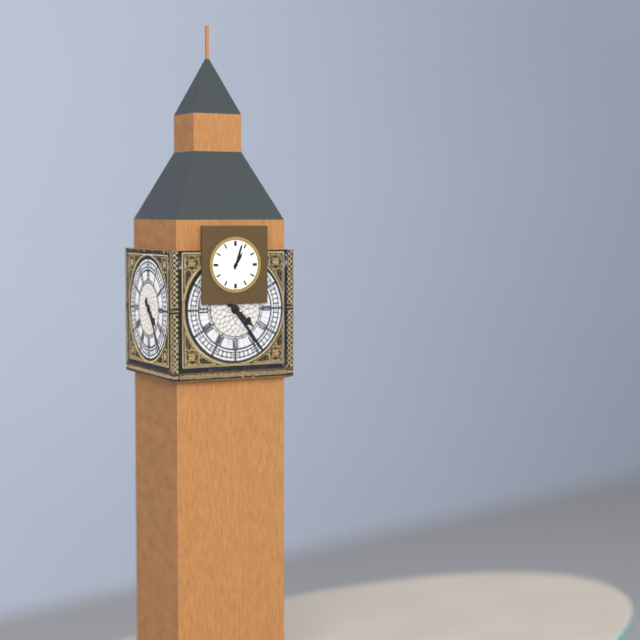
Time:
1:03
